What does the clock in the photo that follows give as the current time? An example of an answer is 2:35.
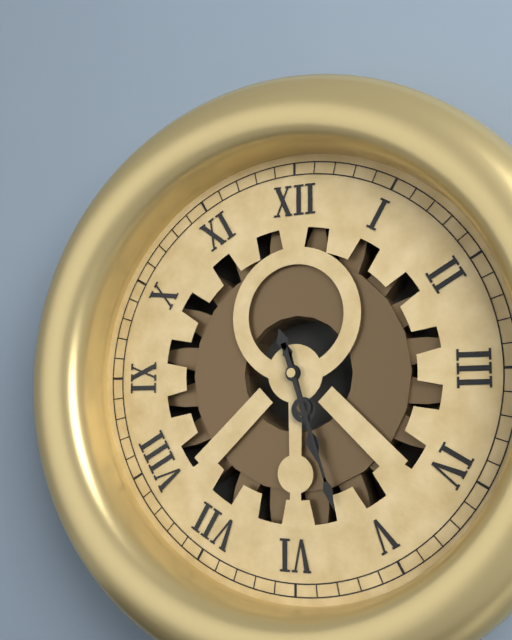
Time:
5:27
